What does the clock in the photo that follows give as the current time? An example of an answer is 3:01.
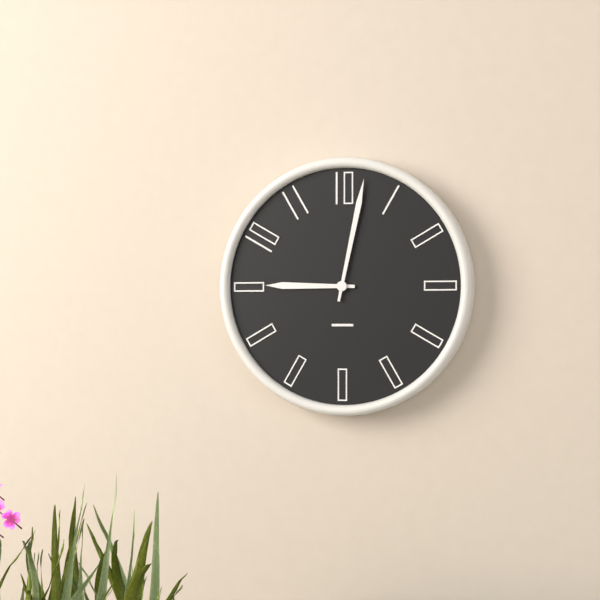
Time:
9:02
